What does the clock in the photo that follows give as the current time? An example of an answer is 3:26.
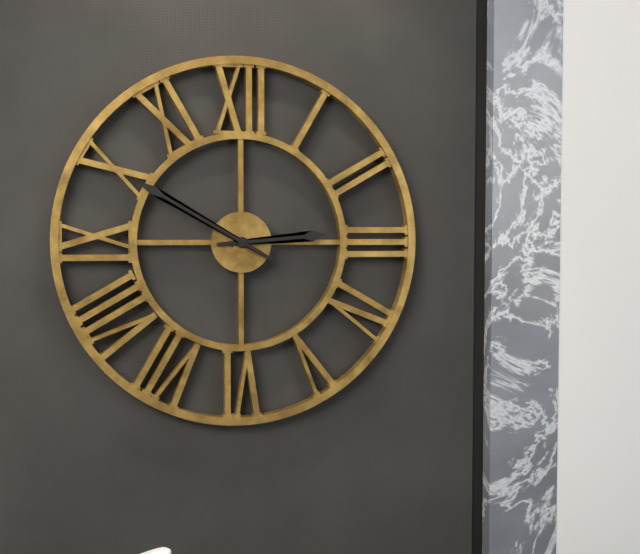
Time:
2:50
